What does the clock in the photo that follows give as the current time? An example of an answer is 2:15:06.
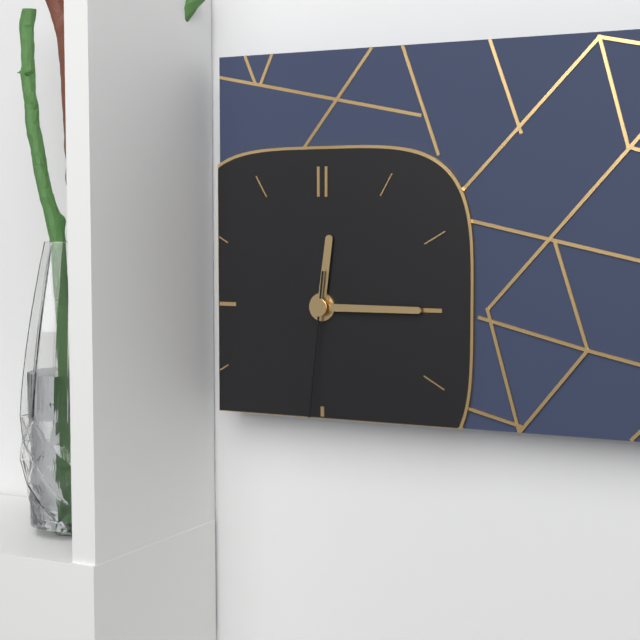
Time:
12:15:31
